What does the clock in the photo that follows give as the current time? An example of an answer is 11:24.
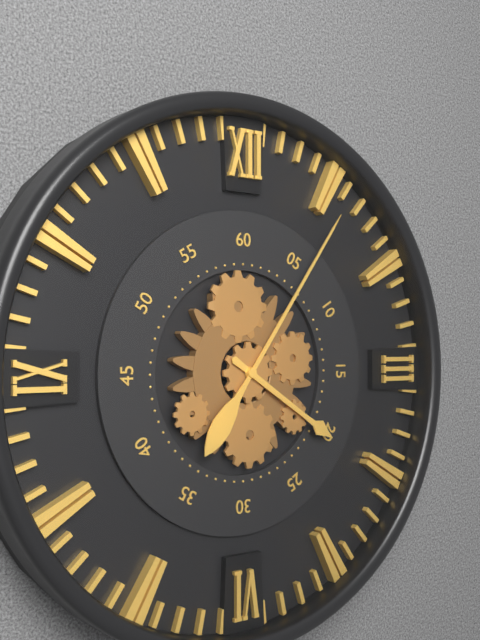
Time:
4:06
